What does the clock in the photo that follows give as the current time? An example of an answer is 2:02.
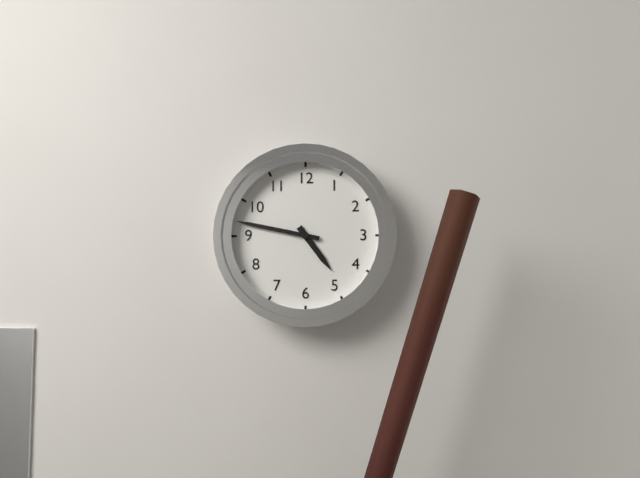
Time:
4:47
